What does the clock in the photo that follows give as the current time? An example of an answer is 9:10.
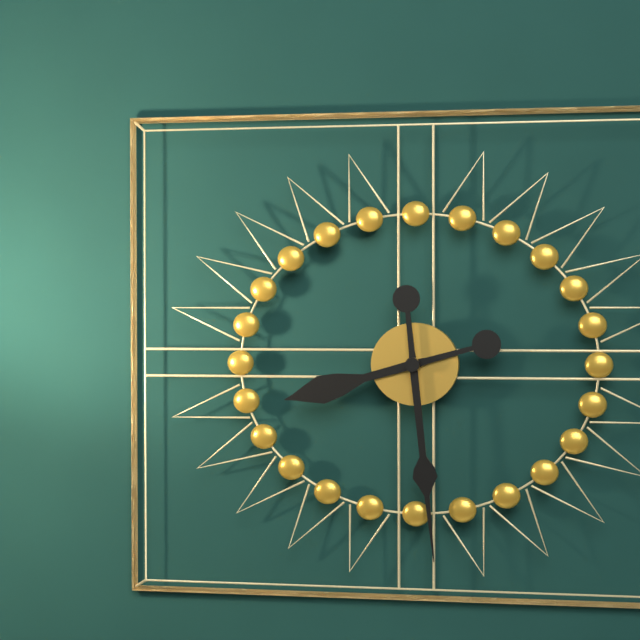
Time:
8:29
